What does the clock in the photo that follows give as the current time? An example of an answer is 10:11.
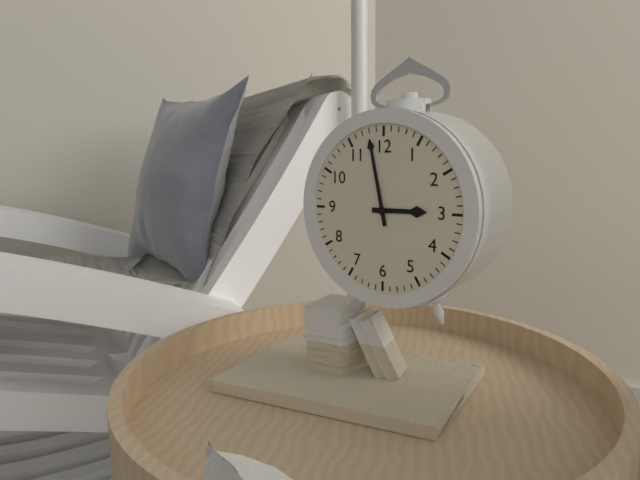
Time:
2:58
